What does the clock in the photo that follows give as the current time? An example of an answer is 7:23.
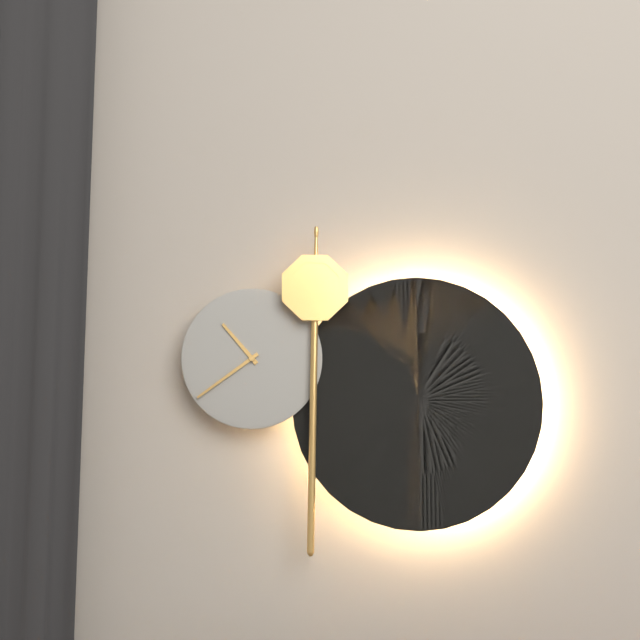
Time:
10:39
